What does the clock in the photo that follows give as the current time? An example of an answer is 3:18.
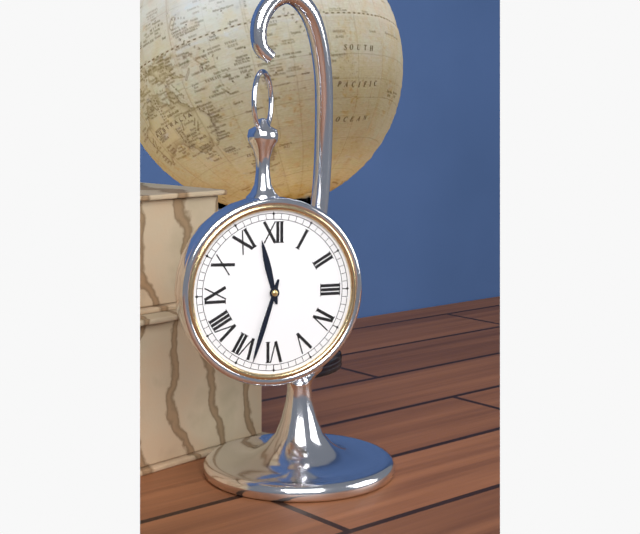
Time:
11:33
